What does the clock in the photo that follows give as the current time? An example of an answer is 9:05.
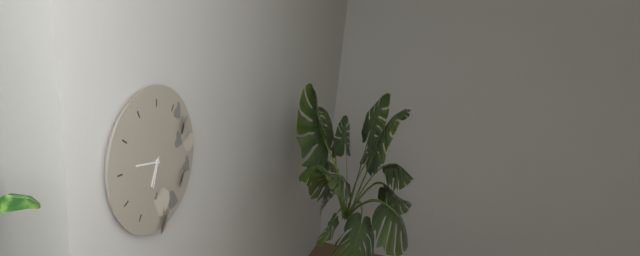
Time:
6:46
